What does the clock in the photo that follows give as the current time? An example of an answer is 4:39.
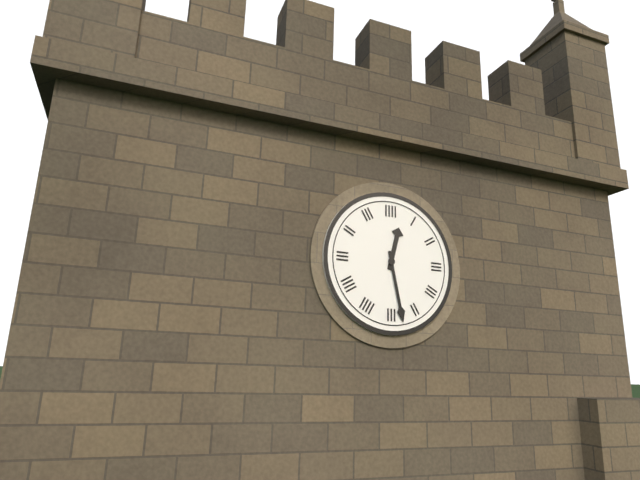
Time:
12:28
